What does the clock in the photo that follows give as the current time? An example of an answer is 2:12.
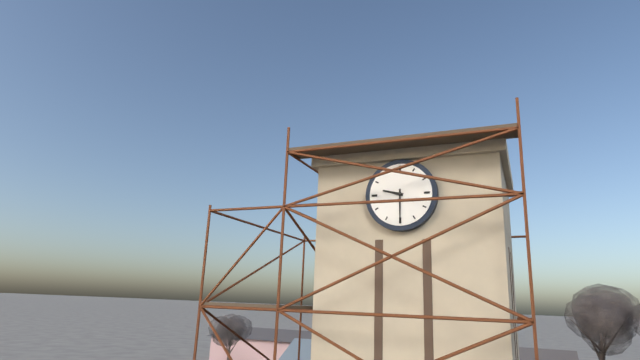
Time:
9:30
